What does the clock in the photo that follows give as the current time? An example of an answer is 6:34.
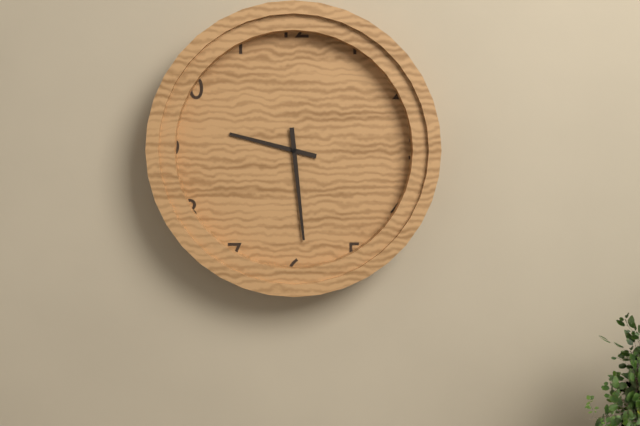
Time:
9:29
